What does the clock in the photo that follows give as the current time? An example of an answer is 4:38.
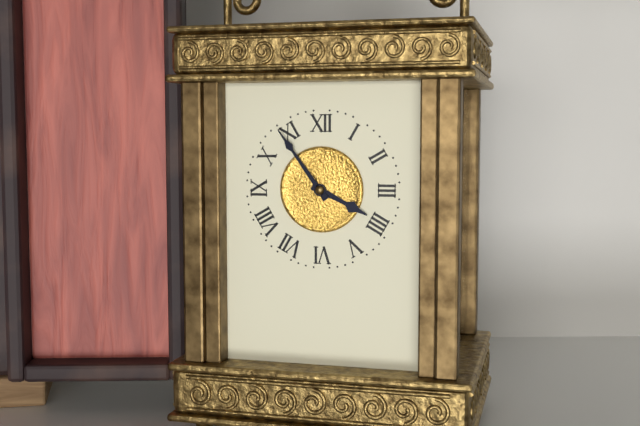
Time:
3:54
